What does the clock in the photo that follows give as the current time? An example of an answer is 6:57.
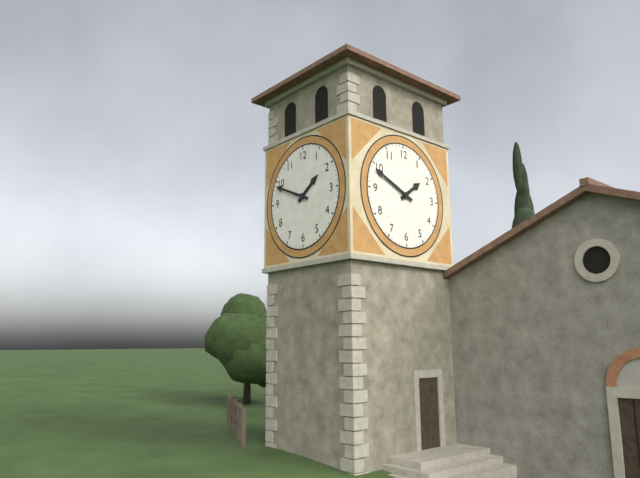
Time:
1:49
